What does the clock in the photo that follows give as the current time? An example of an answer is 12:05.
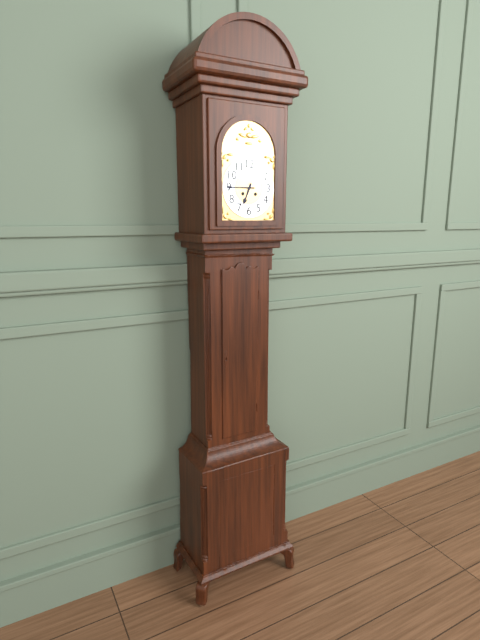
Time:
6:45
